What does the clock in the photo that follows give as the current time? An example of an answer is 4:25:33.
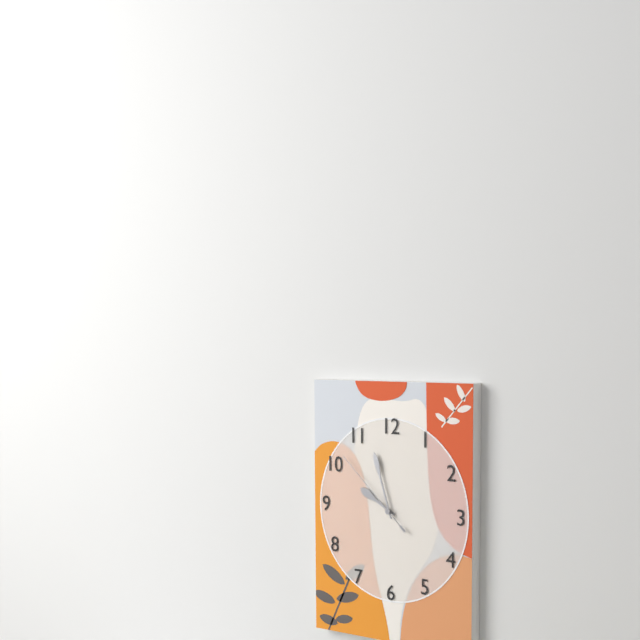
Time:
9:57:52
